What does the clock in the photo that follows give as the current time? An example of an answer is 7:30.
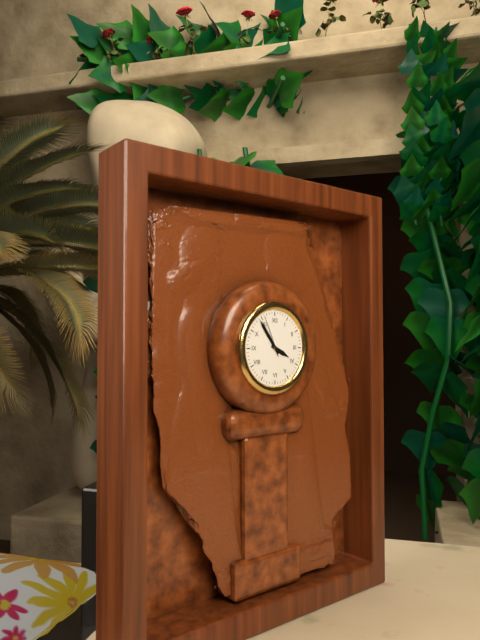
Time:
3:54
